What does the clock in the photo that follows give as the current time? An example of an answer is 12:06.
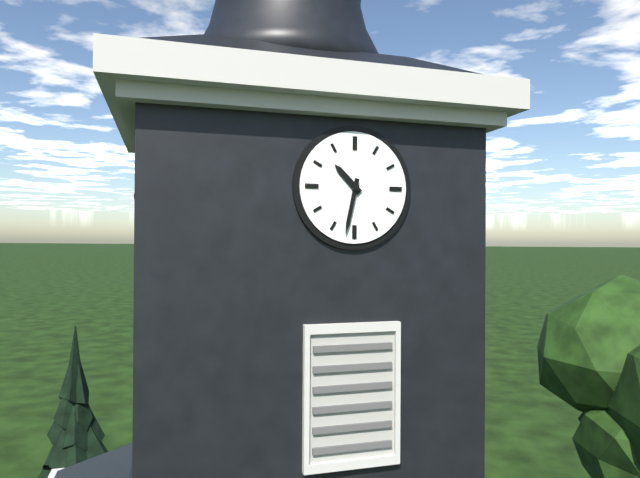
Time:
10:32
